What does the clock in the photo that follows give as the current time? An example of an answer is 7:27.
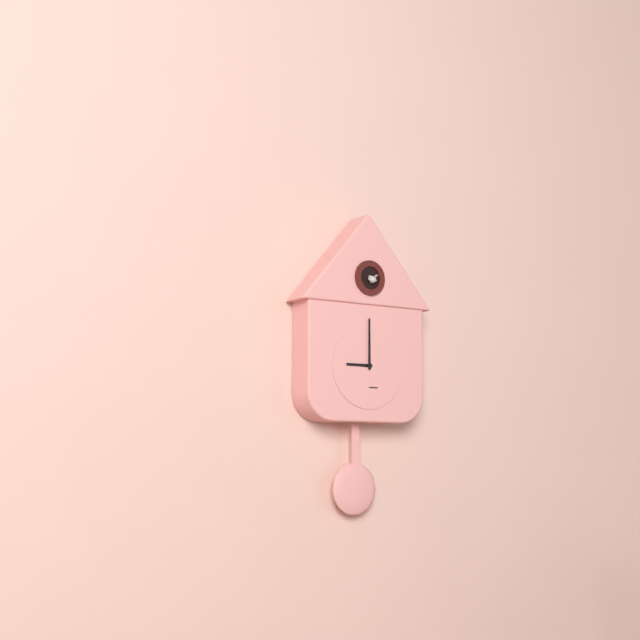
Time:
9:00
